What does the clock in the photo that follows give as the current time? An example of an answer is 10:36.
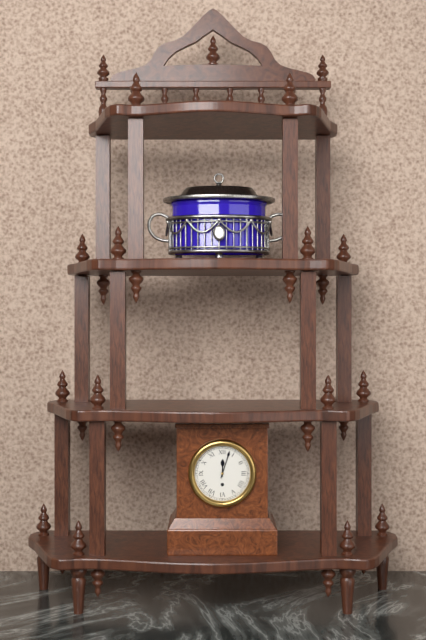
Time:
12:03
